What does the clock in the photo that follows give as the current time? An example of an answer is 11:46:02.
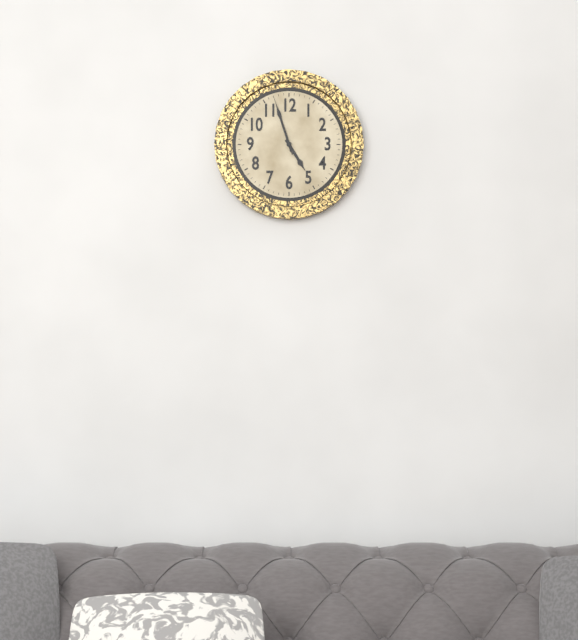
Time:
4:57:57
